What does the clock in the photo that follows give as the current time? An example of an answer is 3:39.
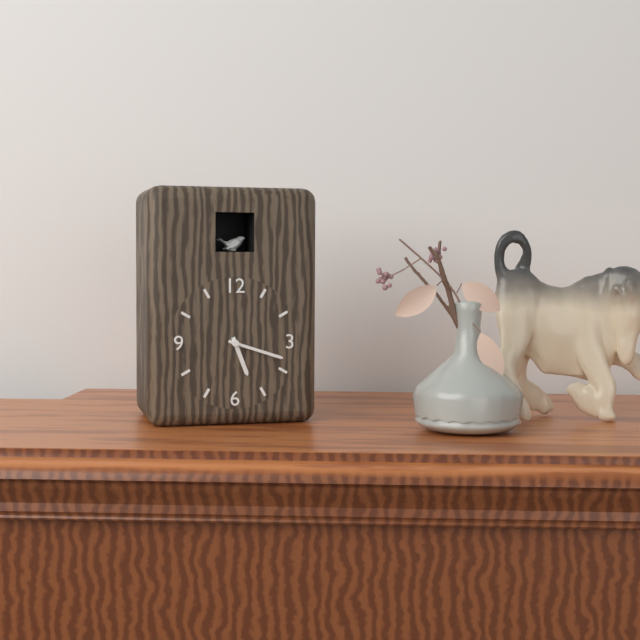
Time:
5:18
